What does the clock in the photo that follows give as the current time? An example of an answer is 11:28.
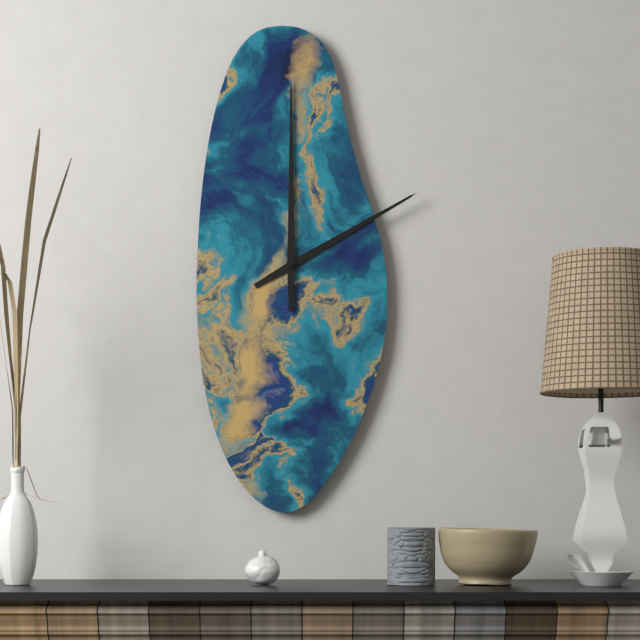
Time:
2:00
